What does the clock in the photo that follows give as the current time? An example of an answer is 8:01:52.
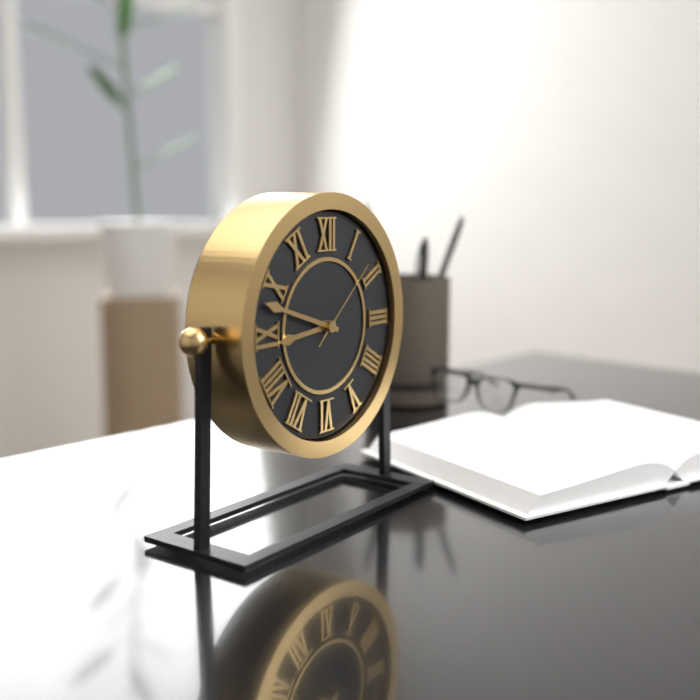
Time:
8:48:08
